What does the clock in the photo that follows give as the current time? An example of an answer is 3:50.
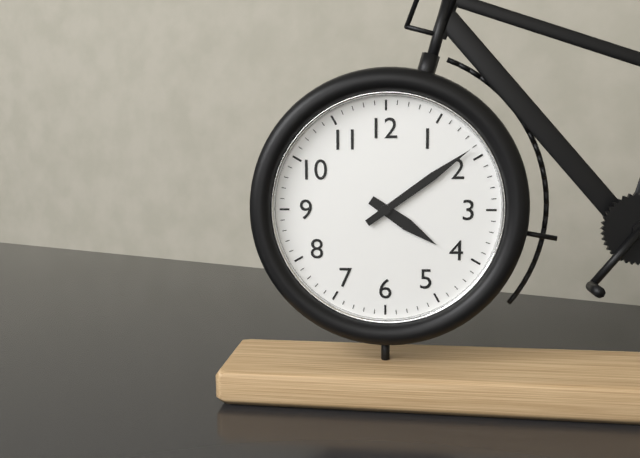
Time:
4:09
